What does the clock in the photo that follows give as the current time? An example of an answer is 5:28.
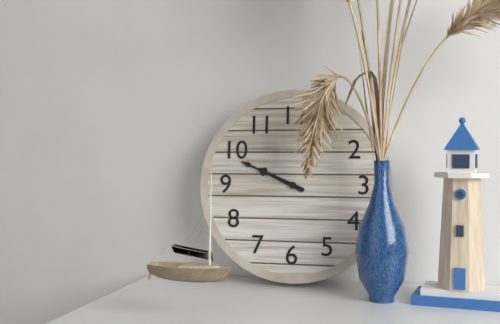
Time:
9:49
